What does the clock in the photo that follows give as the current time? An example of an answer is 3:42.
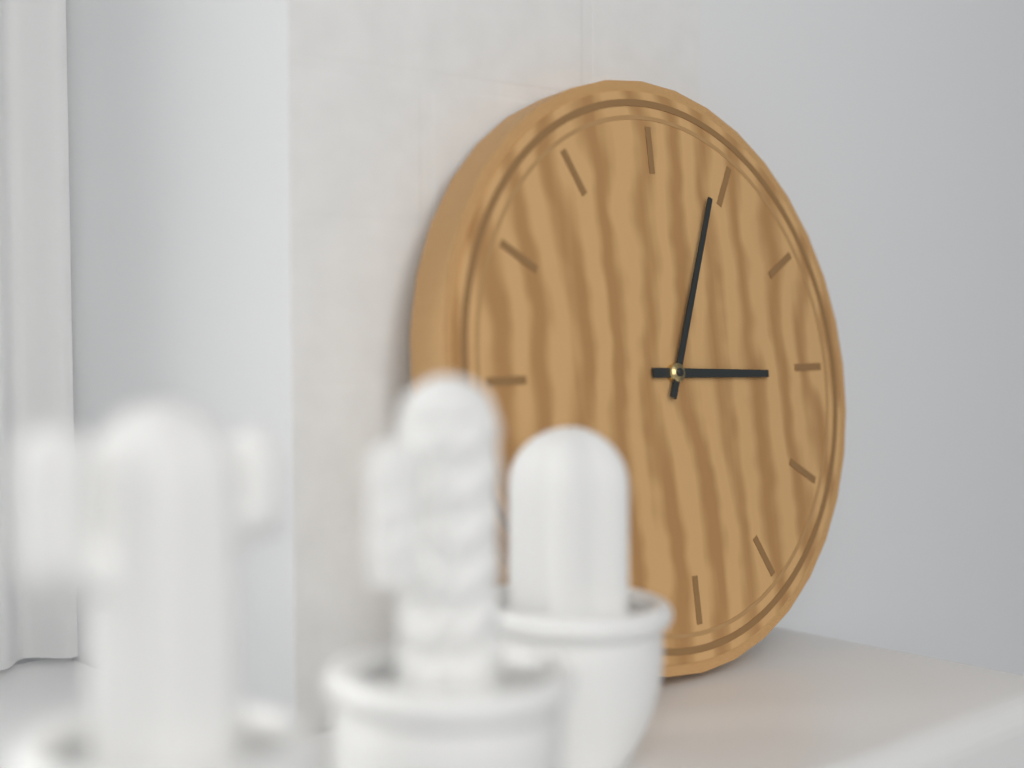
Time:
3:04
